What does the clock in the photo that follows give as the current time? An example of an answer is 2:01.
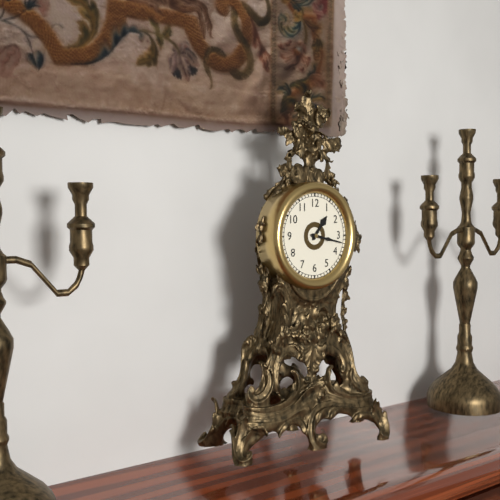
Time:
1:17
